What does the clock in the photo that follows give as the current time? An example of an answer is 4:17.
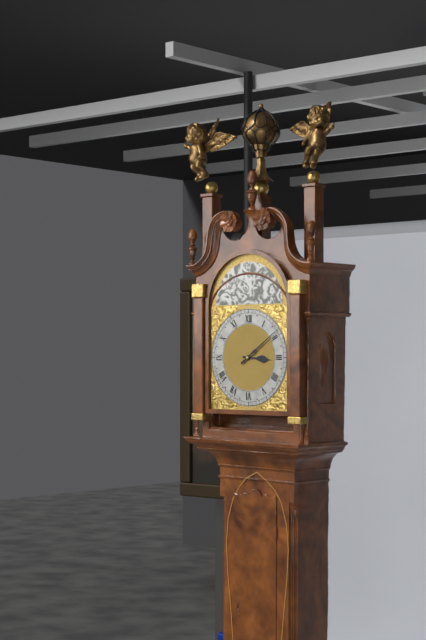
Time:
3:09
